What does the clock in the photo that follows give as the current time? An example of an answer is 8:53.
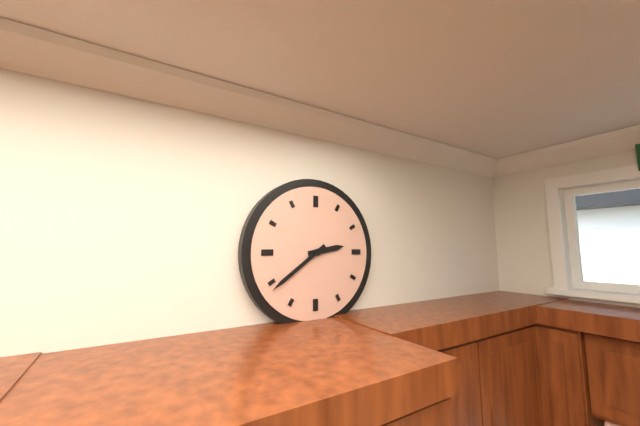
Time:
2:39
